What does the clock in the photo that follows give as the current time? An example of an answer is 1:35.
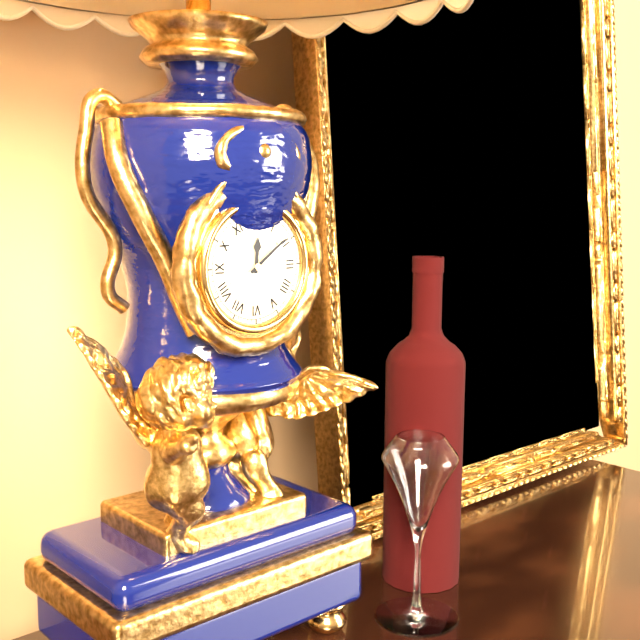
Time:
12:09
